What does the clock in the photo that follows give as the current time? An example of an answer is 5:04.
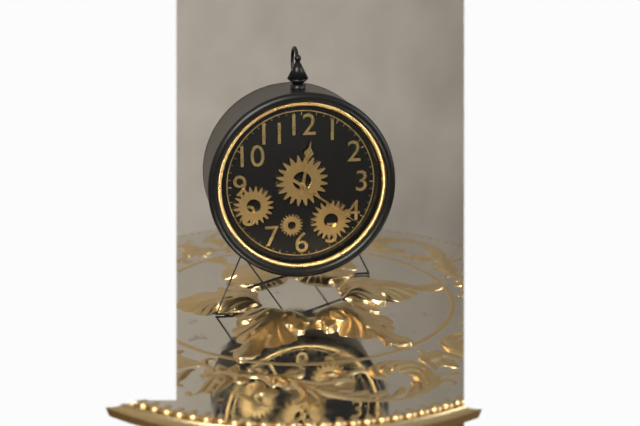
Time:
12:21
